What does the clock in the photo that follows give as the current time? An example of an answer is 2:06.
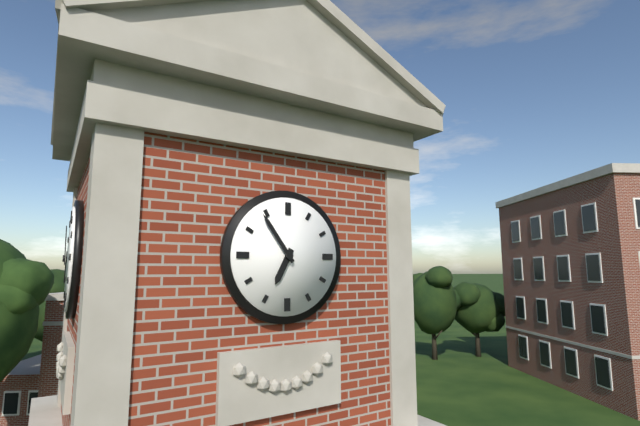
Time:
6:54
